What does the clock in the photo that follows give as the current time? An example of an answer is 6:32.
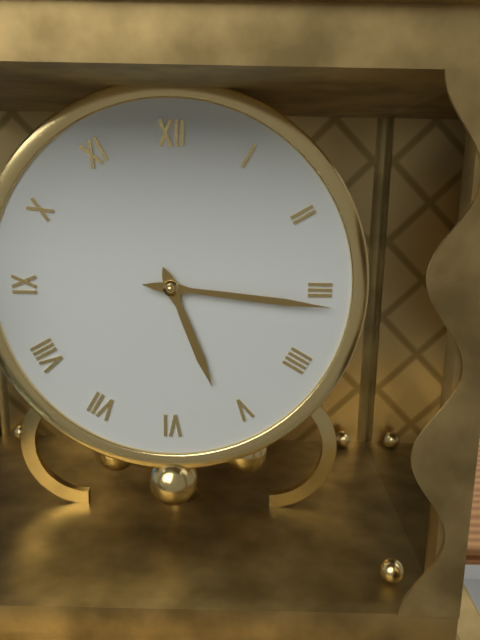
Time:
5:16
